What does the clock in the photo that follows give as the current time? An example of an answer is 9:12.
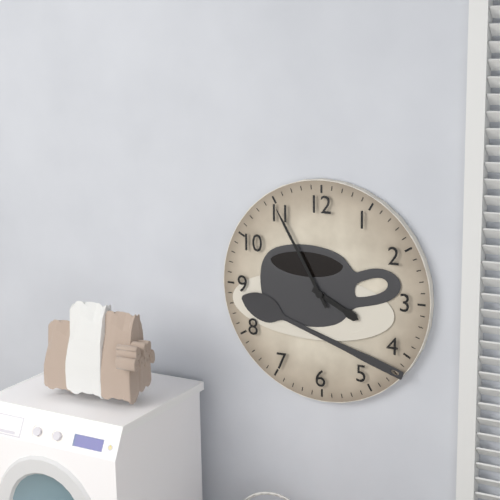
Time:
3:55
